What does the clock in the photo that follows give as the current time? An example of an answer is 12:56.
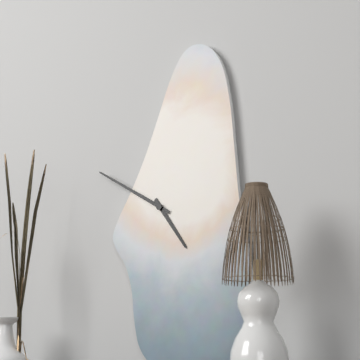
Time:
4:50
